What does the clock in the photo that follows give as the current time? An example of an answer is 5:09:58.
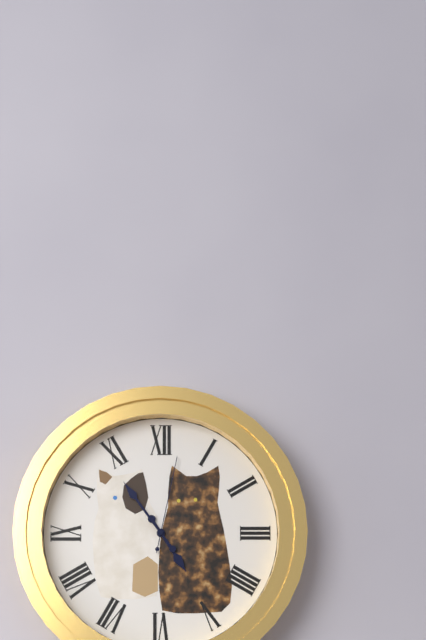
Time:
4:54:02
